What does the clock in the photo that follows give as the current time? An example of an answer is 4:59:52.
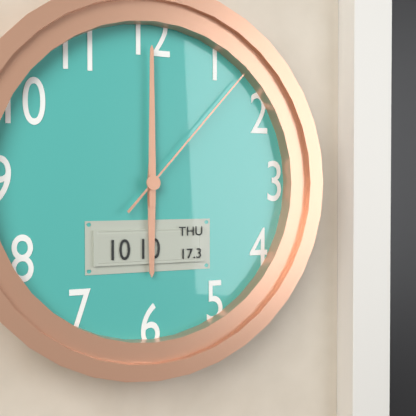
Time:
6:00:07
